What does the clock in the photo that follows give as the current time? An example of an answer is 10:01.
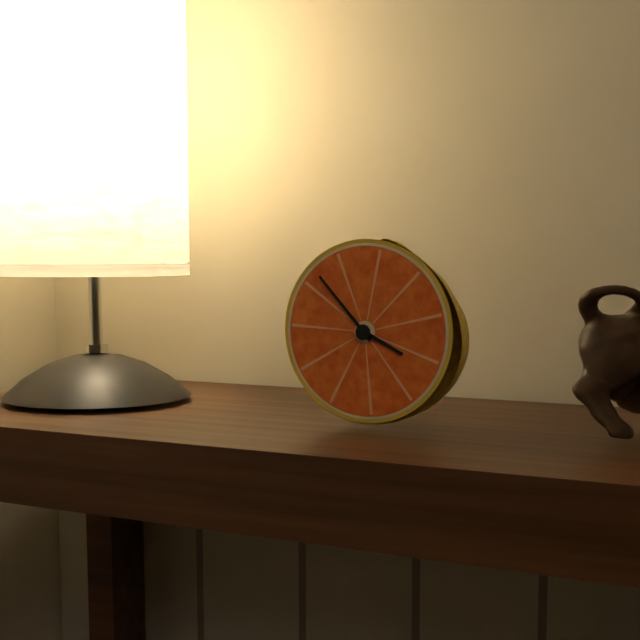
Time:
3:53
